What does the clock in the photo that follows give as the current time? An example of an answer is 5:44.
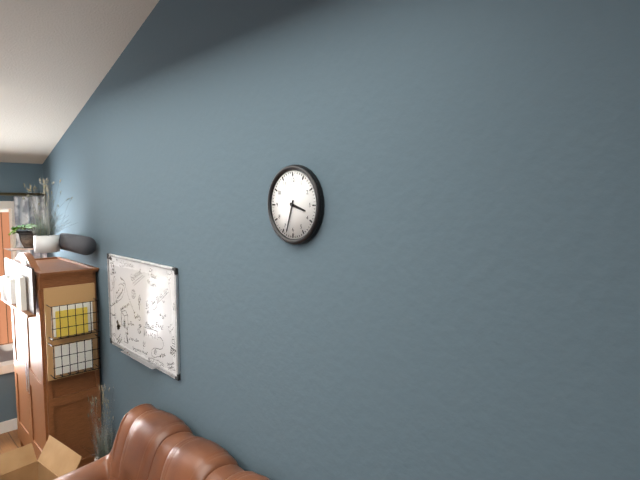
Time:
3:33
